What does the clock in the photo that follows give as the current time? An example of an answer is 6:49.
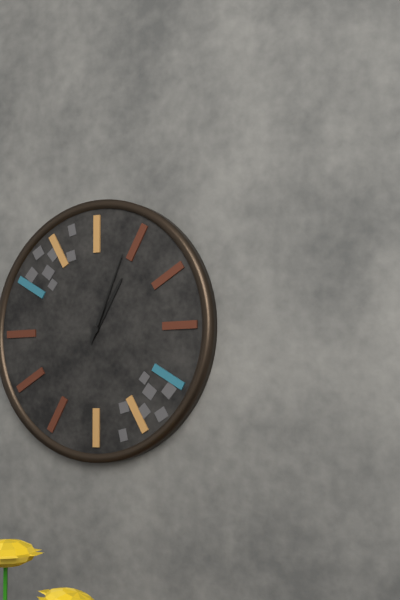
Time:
1:04
